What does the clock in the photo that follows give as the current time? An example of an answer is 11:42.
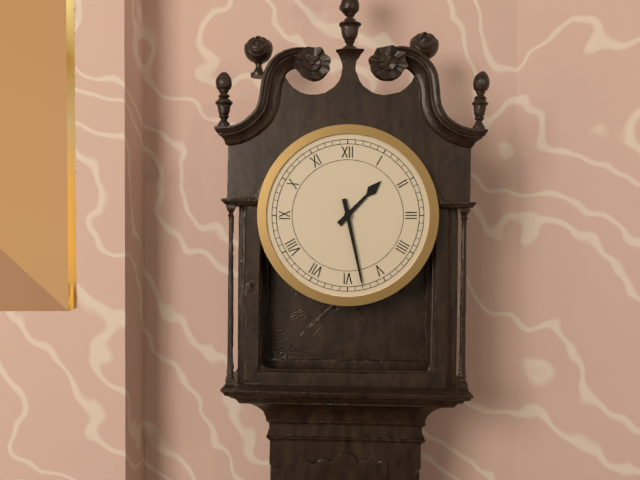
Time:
1:28
